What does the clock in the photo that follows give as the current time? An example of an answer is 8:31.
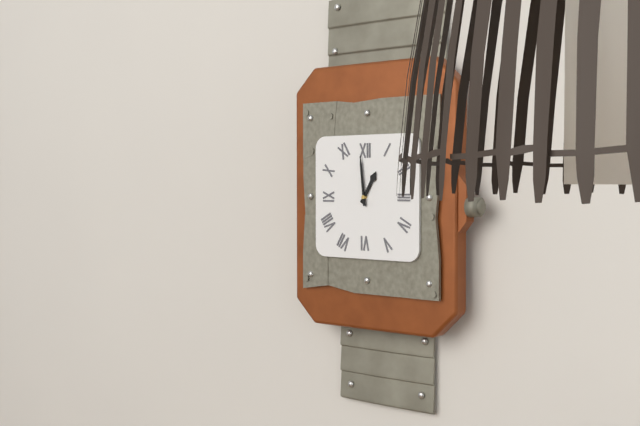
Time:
12:59
